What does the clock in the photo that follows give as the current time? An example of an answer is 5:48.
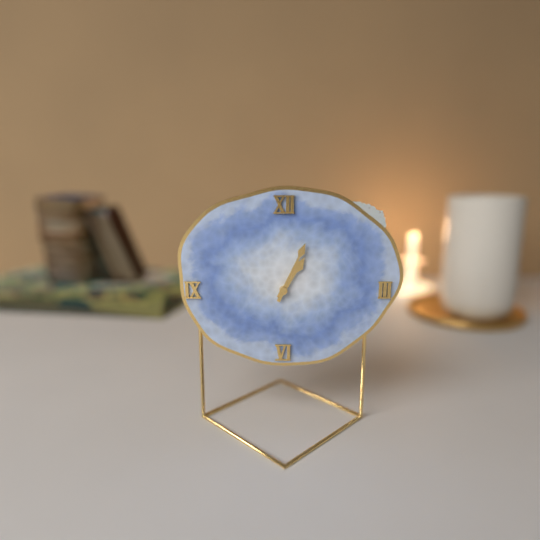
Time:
1:04
